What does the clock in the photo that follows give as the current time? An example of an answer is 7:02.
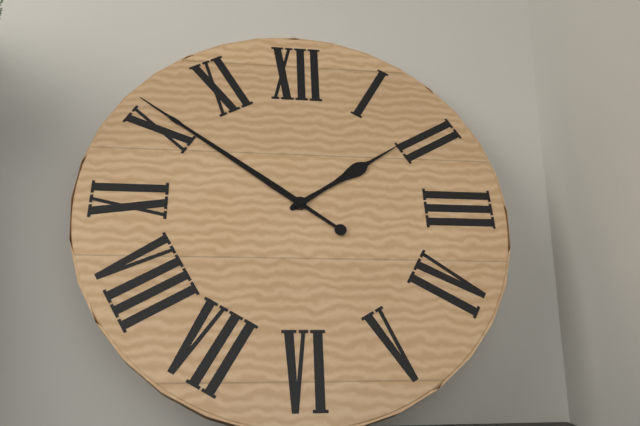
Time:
1:51
